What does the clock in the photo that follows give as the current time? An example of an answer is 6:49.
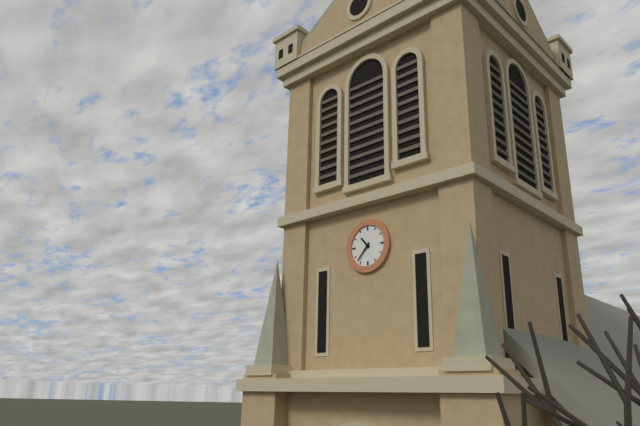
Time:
10:37
